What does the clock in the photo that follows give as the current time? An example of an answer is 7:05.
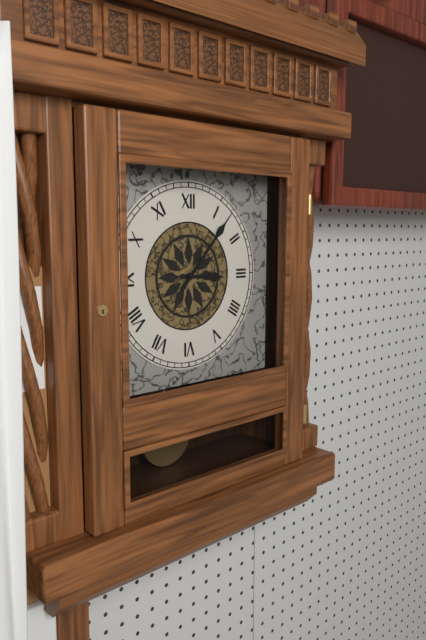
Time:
3:07
